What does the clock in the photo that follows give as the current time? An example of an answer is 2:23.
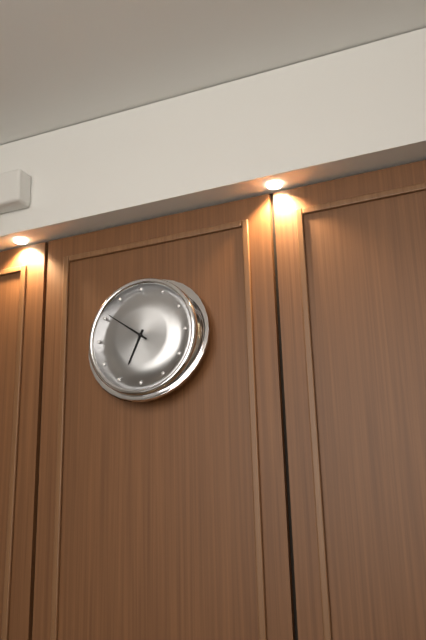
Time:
6:51
